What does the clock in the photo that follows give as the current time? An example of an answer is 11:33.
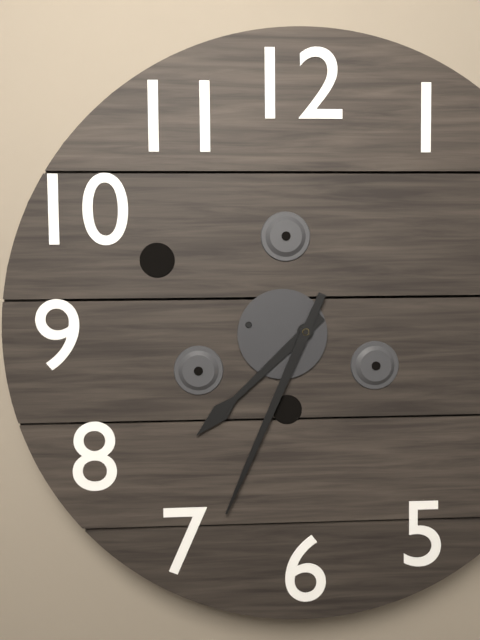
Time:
7:34
